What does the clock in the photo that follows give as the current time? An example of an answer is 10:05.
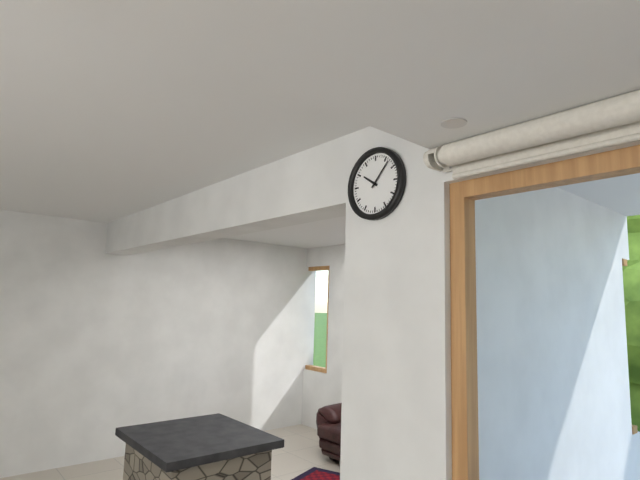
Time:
10:07
